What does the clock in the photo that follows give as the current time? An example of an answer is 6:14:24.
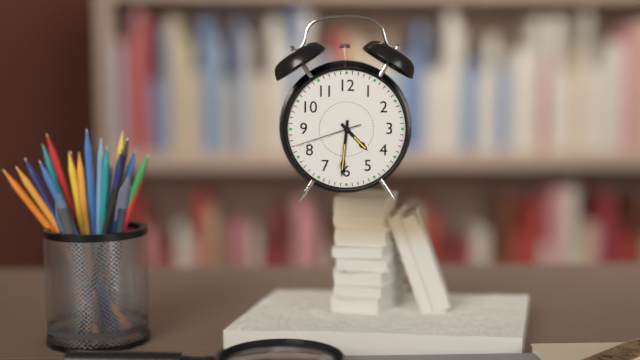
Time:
4:31:42
